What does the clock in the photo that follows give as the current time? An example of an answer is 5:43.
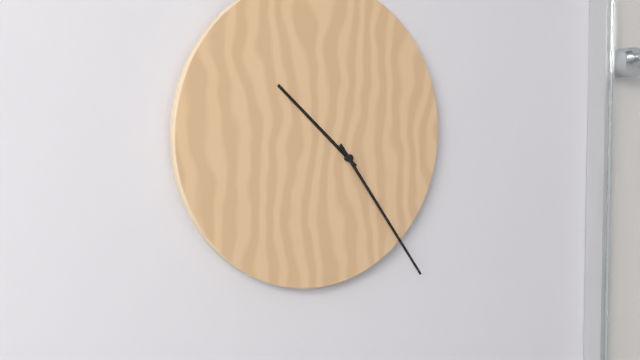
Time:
10:24
